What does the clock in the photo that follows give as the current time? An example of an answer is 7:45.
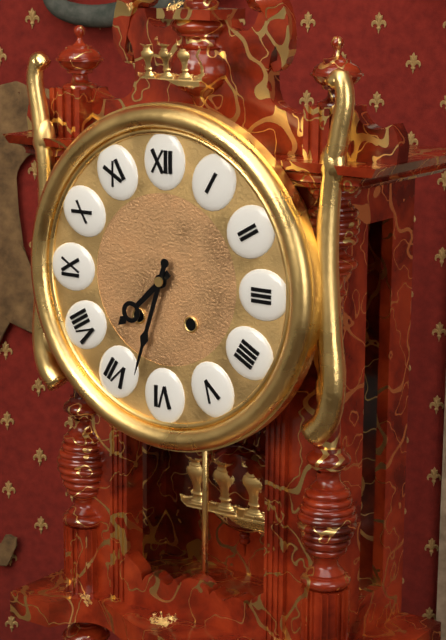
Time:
7:33
